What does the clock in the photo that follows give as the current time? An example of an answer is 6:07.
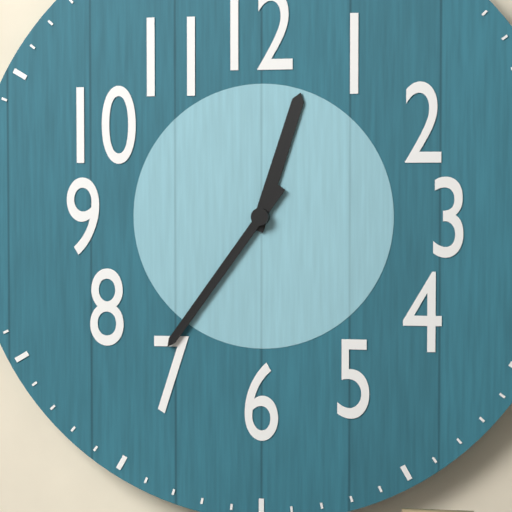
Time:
12:36
